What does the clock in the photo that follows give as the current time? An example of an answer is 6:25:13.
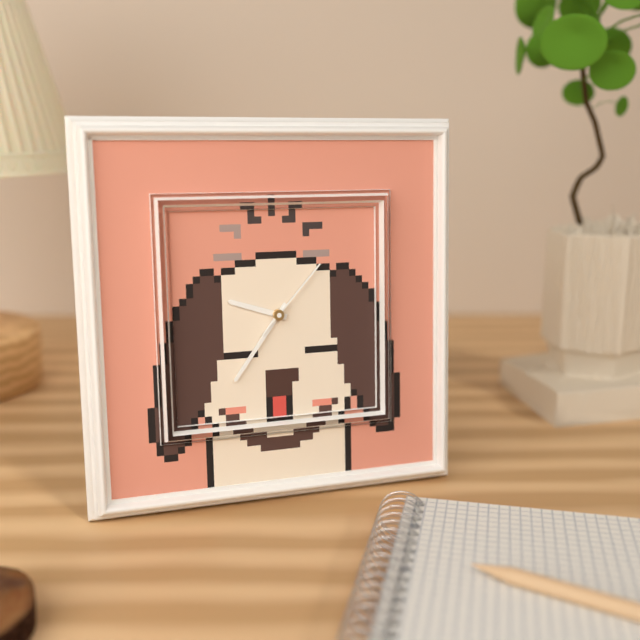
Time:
9:36:07
